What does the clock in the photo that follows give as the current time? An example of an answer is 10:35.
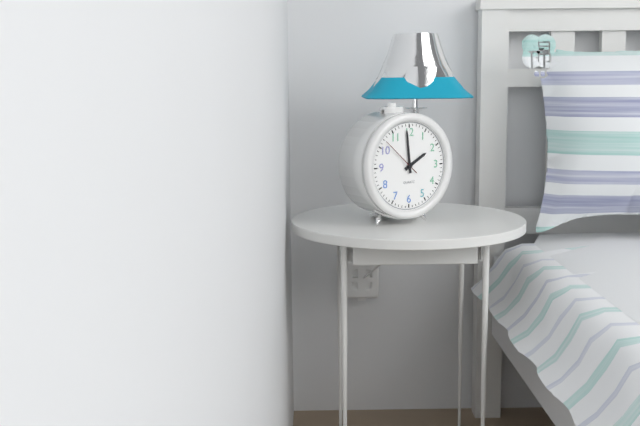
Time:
1:59
